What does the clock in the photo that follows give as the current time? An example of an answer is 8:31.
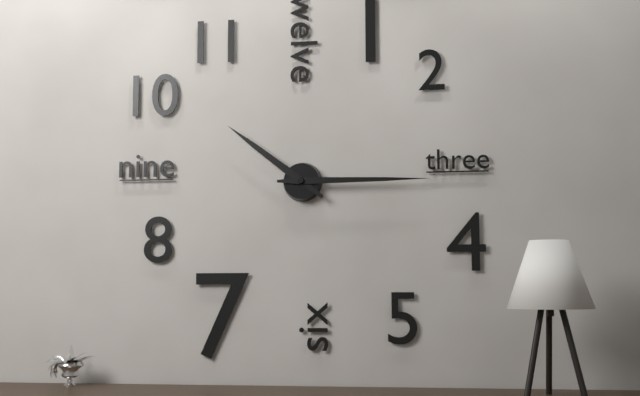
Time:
10:15
